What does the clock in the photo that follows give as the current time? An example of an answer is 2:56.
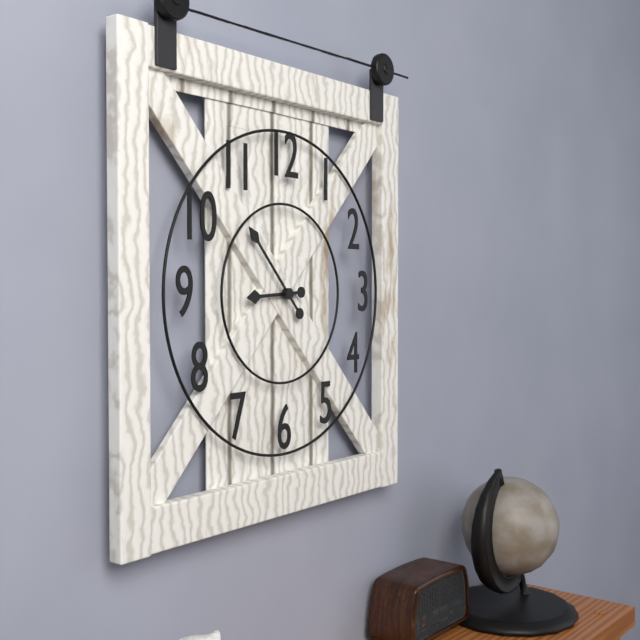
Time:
8:53
